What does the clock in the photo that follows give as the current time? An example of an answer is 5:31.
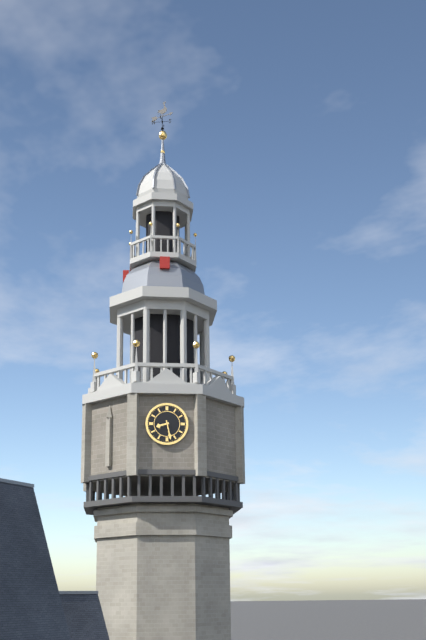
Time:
8:28
